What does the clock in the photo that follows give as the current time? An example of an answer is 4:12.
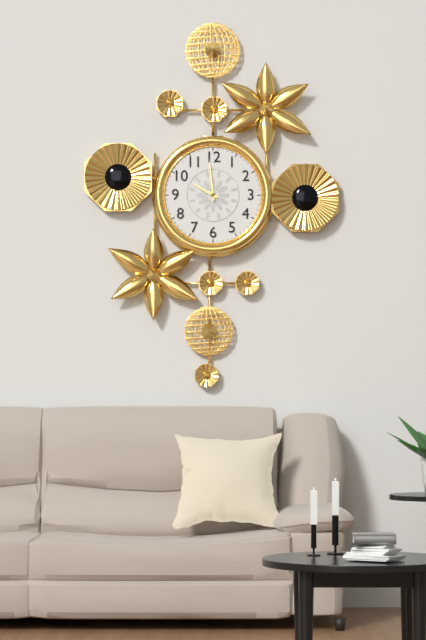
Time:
9:59
